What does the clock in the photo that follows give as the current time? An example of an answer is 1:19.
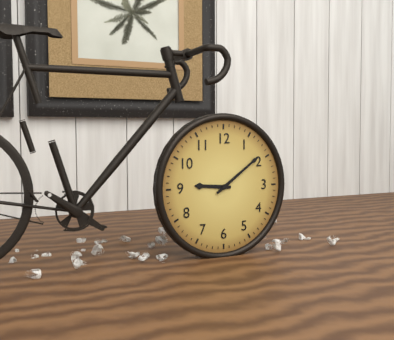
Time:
9:09
